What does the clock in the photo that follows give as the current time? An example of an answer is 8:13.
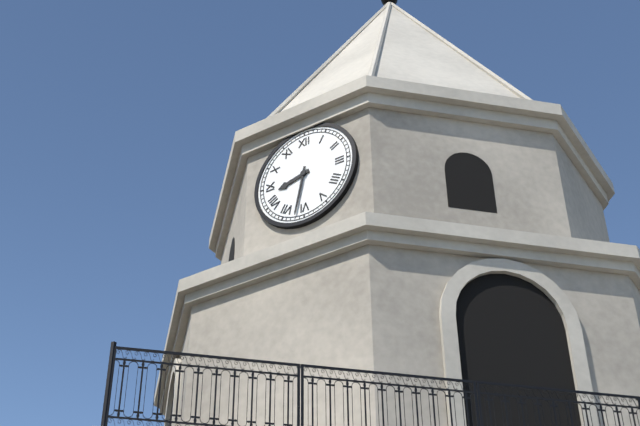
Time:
8:32
